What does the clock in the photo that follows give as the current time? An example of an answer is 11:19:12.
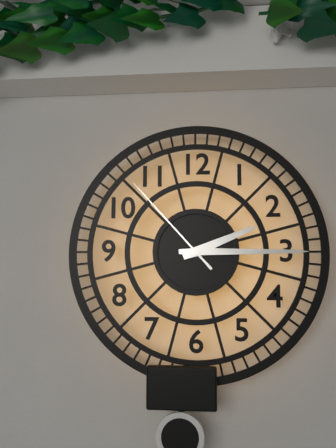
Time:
2:15:53
